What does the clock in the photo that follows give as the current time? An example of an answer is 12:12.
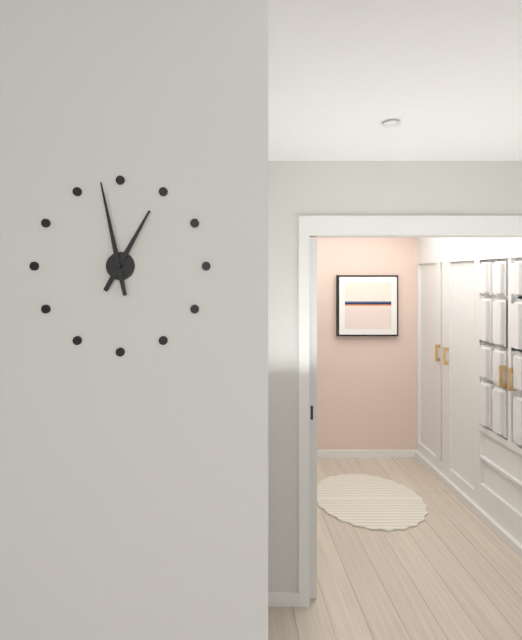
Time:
12:58
